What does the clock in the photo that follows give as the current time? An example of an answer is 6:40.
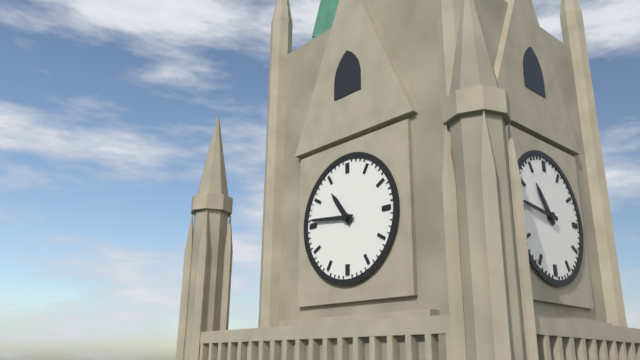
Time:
10:46
